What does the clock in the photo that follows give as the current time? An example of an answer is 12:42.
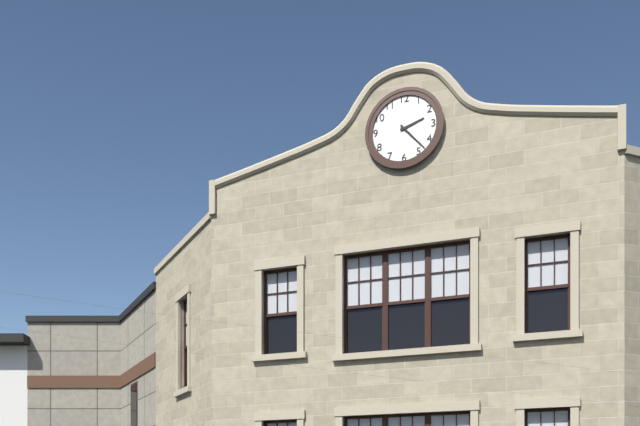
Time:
2:23
